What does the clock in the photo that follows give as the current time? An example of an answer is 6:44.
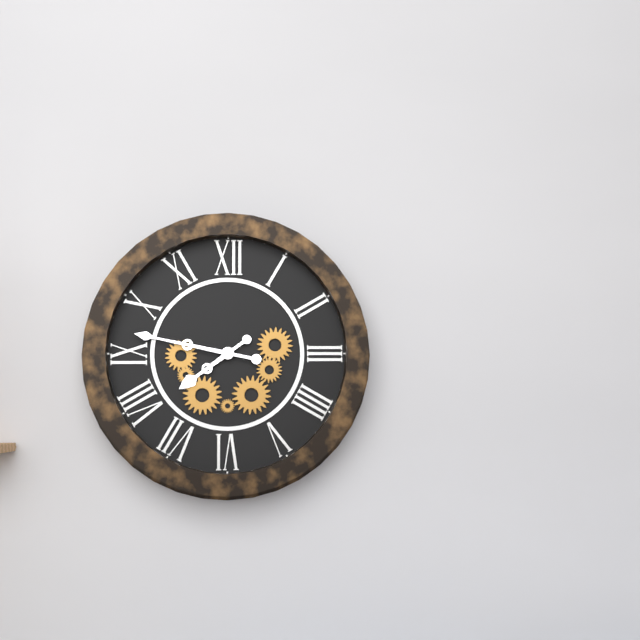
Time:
7:47
